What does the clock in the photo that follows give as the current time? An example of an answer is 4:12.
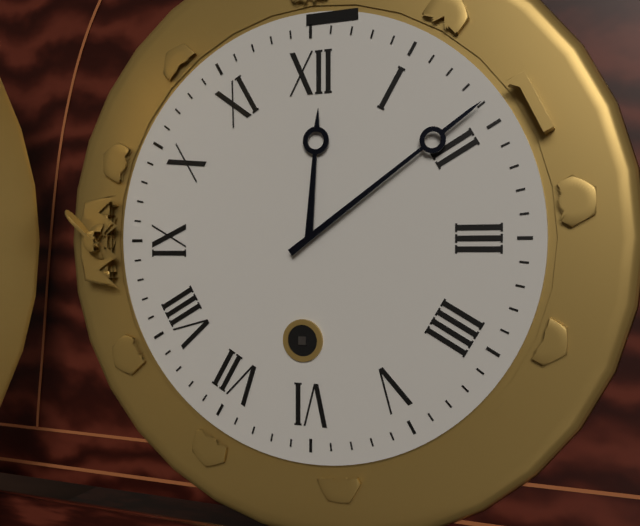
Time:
12:09
